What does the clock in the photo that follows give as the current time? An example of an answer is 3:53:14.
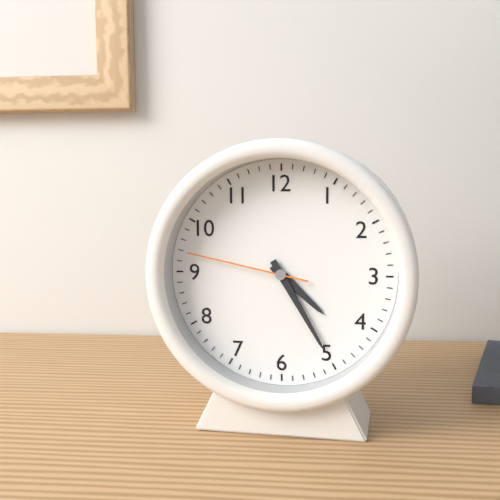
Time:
4:25:47
